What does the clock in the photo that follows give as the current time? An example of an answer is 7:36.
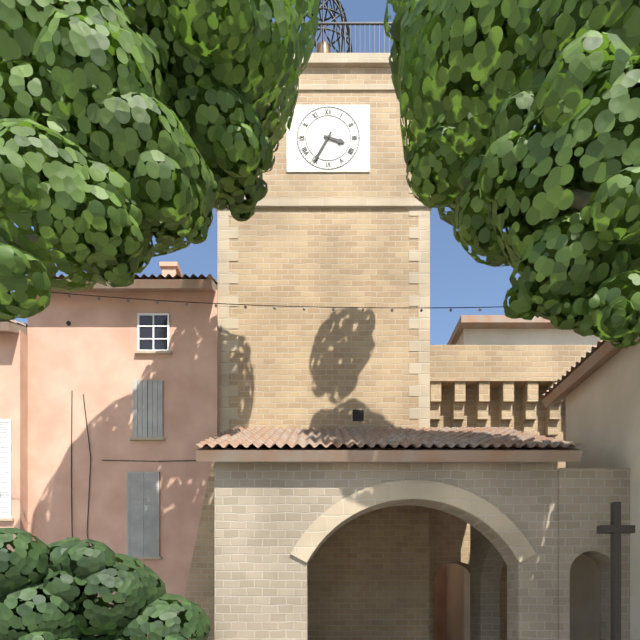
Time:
3:35
